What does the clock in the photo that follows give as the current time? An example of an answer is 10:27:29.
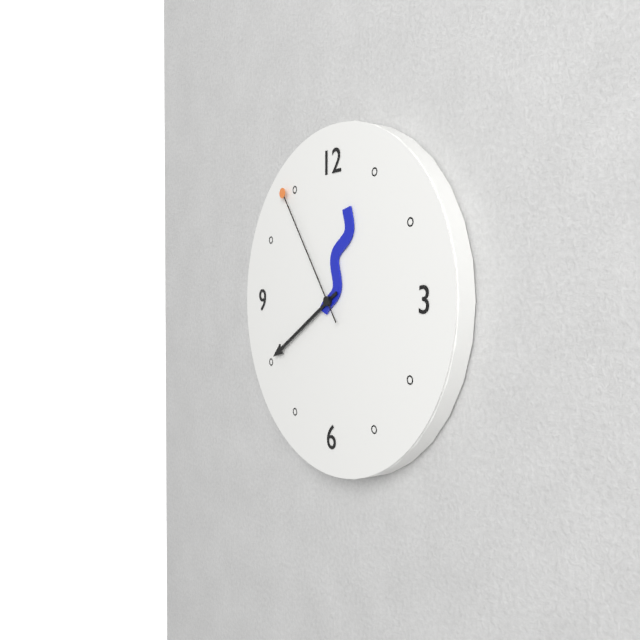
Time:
12:40:54
